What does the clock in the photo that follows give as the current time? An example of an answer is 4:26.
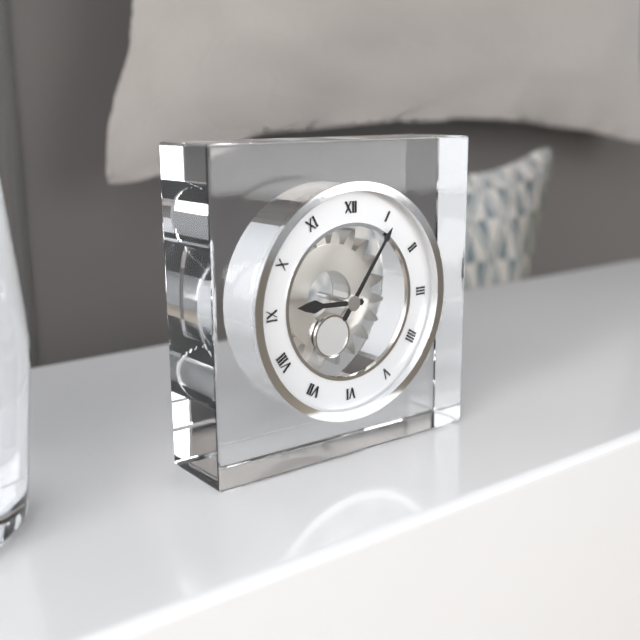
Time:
9:06
